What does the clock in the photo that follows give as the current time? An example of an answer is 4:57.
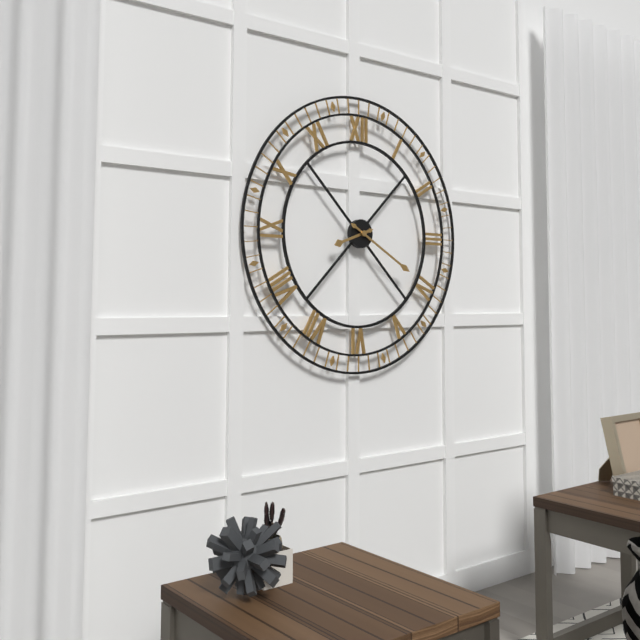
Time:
8:20
